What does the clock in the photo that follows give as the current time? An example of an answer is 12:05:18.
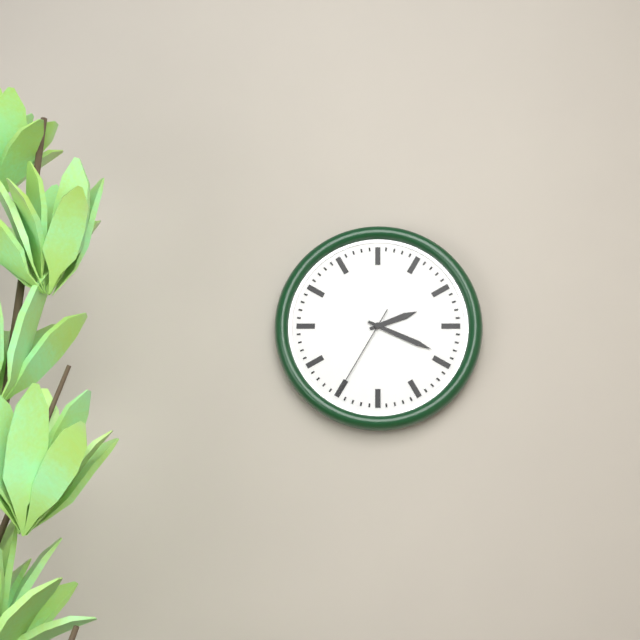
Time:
2:19:35
